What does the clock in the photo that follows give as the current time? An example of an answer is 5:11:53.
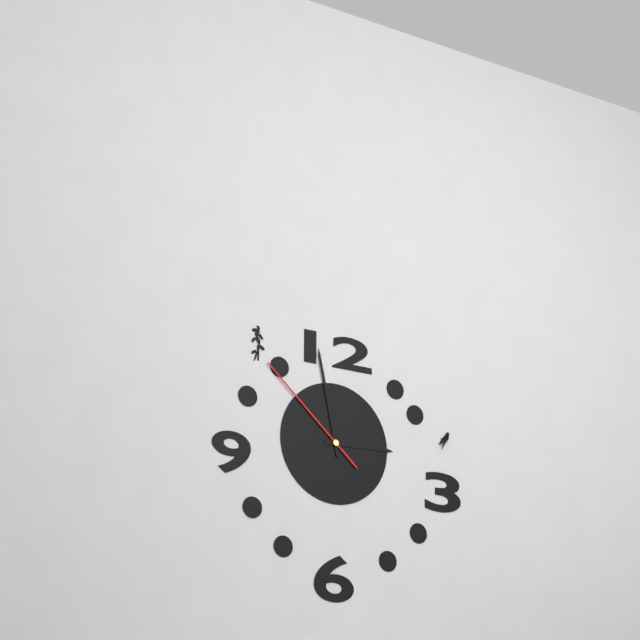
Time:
2:58:52
